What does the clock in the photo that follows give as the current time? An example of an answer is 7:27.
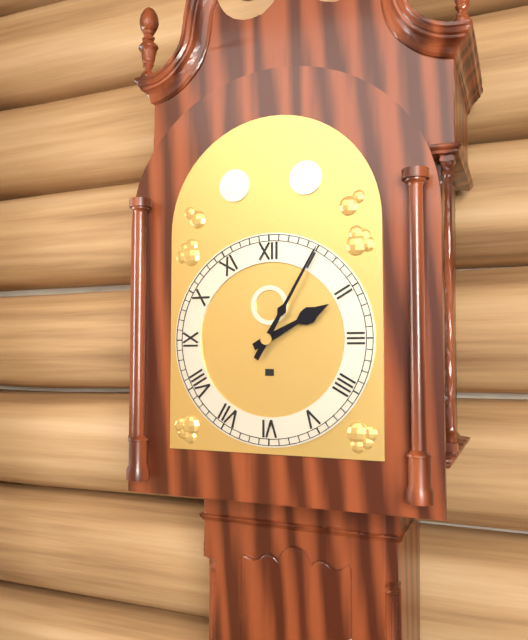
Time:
2:05
